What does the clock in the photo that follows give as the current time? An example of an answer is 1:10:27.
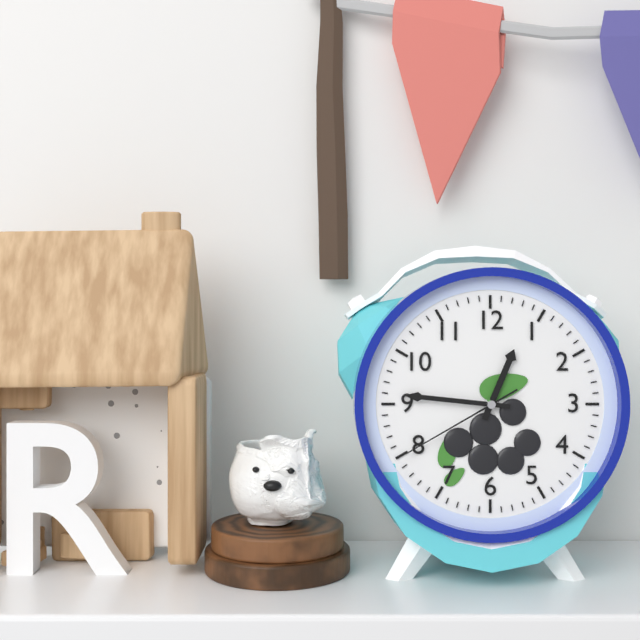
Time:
12:46:40
